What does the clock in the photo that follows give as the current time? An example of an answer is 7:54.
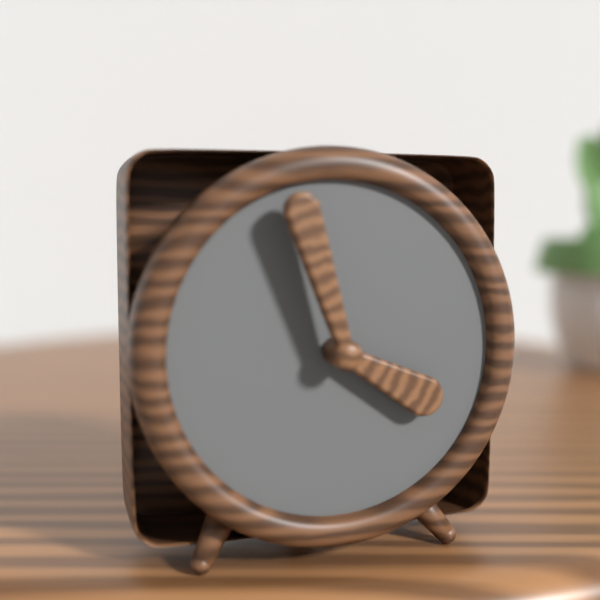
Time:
3:57
